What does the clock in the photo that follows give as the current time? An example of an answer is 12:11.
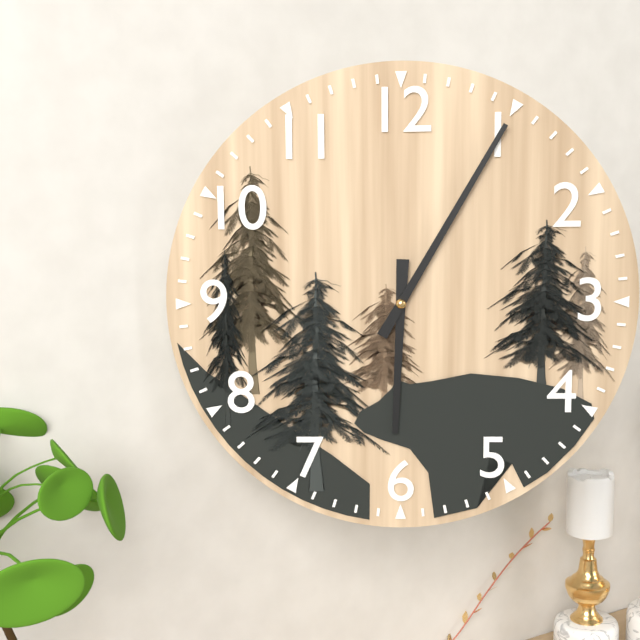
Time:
6:05
